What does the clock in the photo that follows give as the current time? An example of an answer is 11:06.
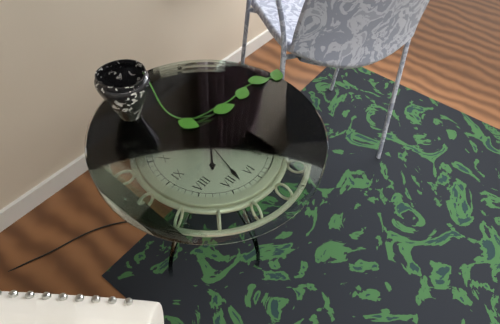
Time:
7:33
